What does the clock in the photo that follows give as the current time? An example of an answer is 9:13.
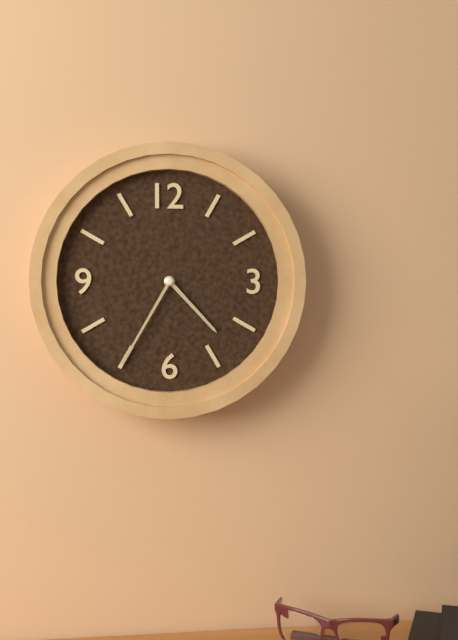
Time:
4:35
